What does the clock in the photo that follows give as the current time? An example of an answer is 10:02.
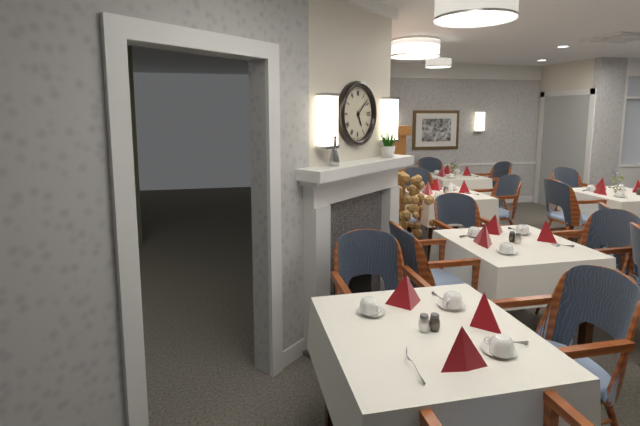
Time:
5:08
